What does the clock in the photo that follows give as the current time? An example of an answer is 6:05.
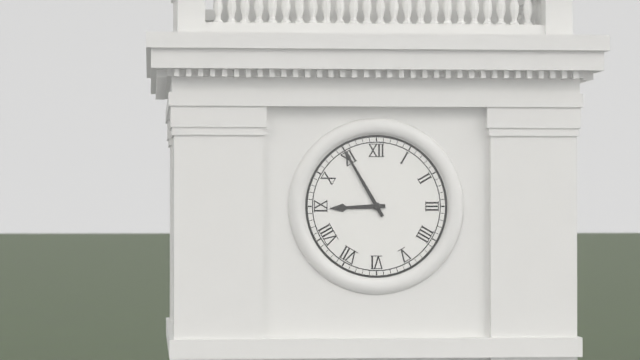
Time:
8:55
